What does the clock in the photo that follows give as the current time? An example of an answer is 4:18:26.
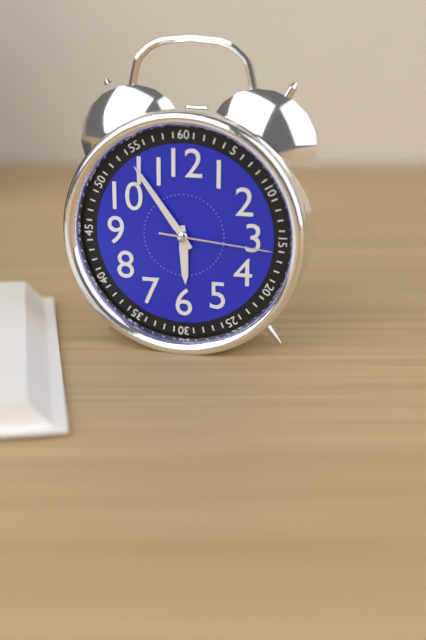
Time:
5:54:16
